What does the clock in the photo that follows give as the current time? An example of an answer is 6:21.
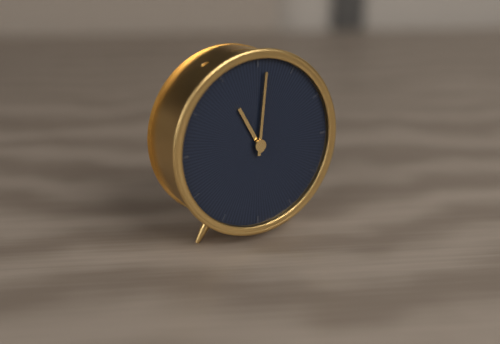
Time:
11:01
